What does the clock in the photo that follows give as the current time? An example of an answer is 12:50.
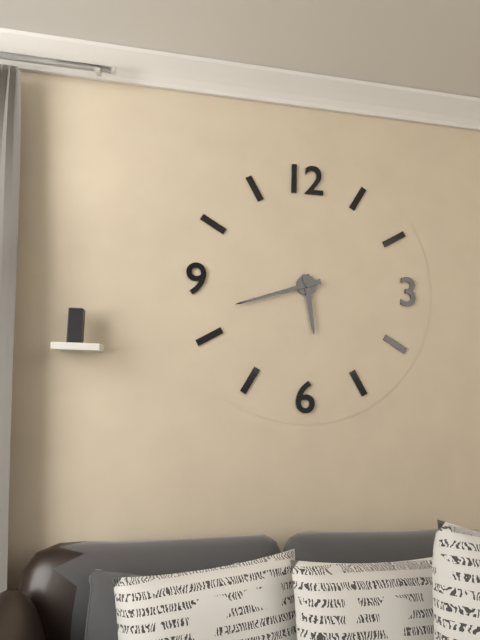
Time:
5:42
